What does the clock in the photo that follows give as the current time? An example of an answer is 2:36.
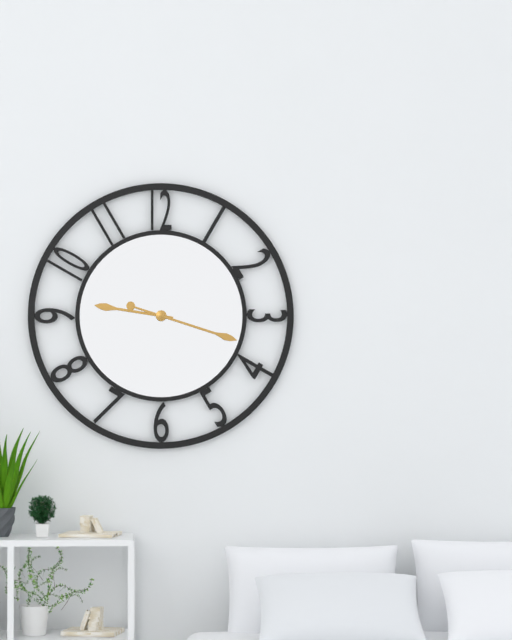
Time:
9:18
